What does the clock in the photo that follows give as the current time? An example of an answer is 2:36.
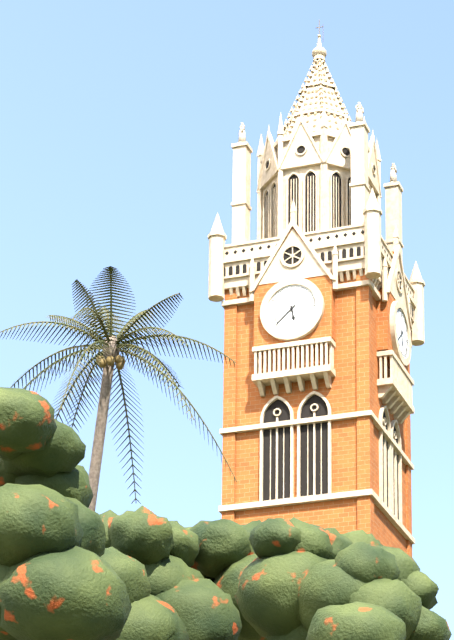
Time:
5:38
